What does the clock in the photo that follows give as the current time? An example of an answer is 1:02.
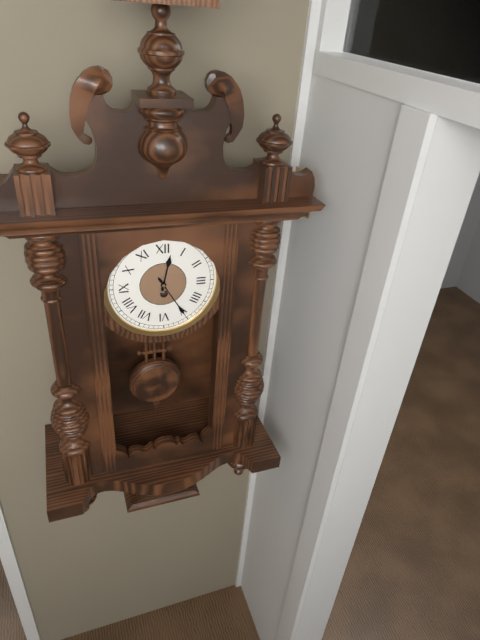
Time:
12:25
